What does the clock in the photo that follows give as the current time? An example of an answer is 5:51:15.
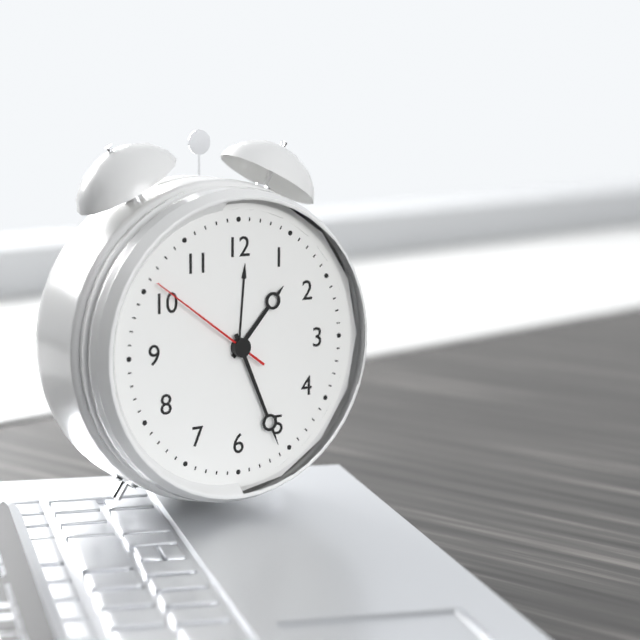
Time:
1:26:51
